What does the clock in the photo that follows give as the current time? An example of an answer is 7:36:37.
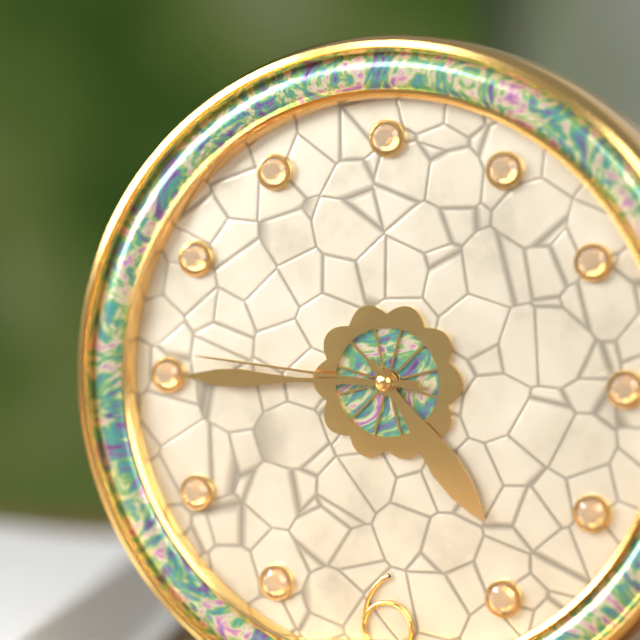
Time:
4:45:46
